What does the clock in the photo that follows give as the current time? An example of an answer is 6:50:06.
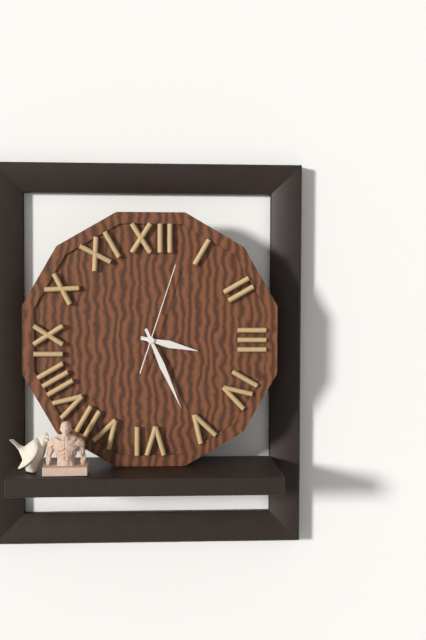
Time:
3:26:03
